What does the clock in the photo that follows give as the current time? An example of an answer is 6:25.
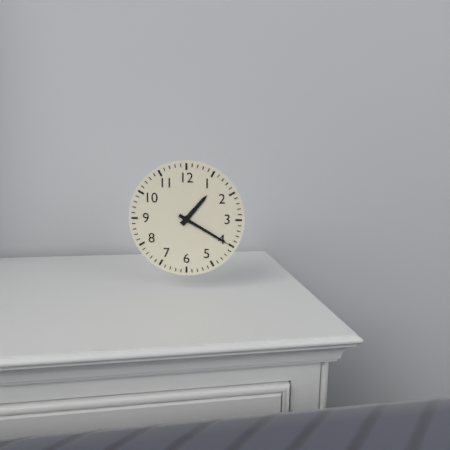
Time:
1:20
